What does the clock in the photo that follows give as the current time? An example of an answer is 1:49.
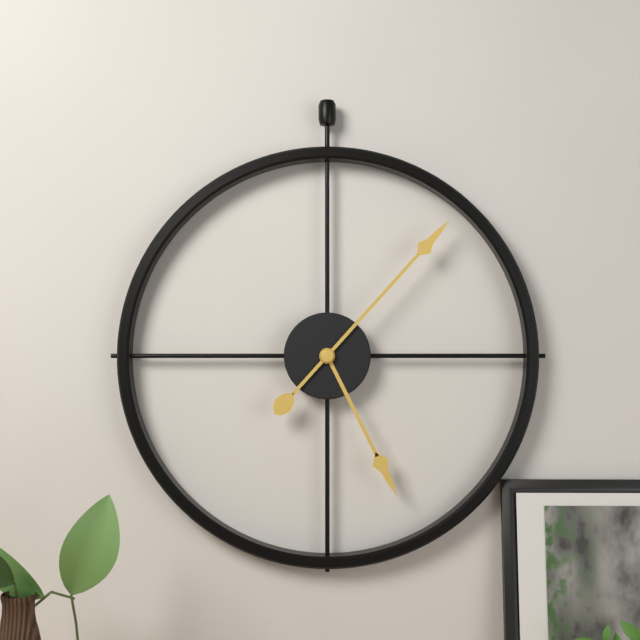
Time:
5:07
